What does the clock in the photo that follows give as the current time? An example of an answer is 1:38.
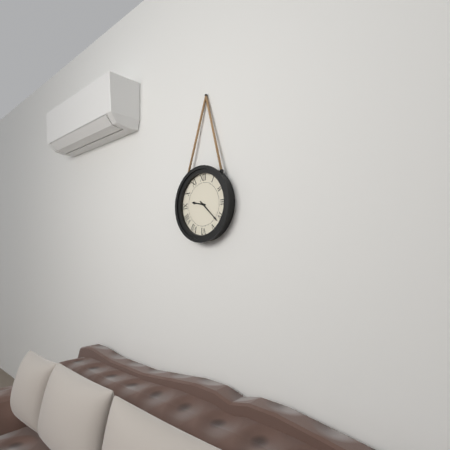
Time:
9:22
